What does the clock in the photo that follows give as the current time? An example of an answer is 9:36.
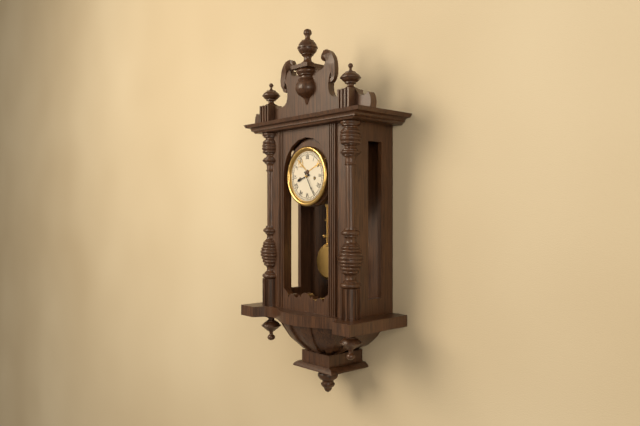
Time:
8:25
